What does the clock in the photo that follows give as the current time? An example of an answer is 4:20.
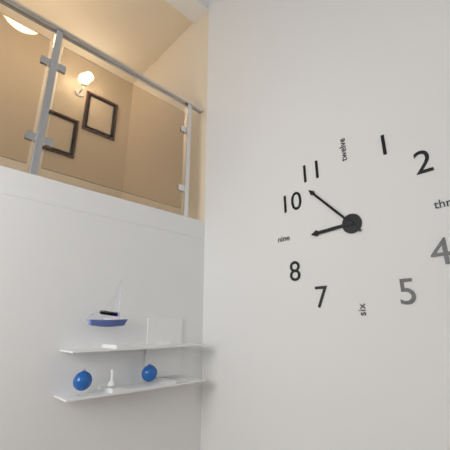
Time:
8:53
